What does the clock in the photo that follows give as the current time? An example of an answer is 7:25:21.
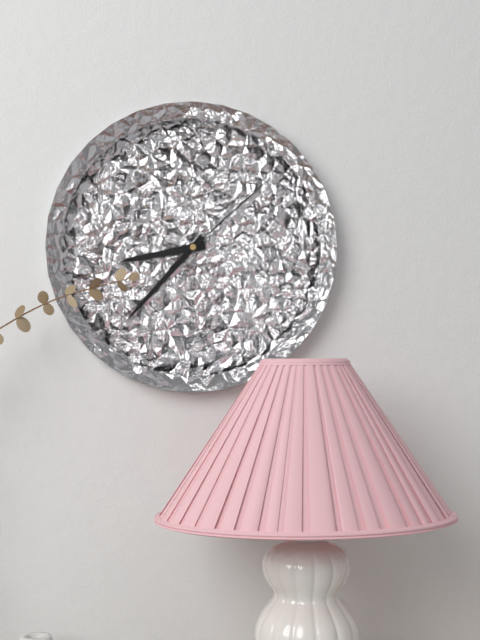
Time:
8:37:08
